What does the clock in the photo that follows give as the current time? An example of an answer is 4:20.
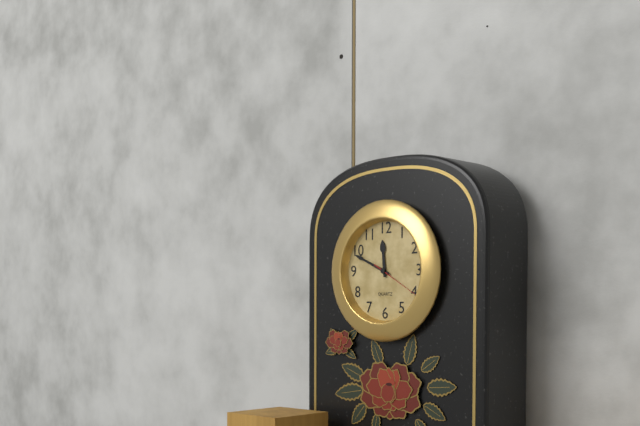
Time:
11:49
